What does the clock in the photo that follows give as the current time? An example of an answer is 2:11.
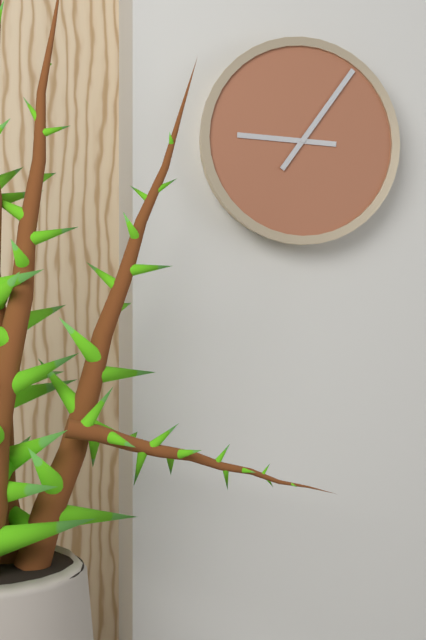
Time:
9:06
